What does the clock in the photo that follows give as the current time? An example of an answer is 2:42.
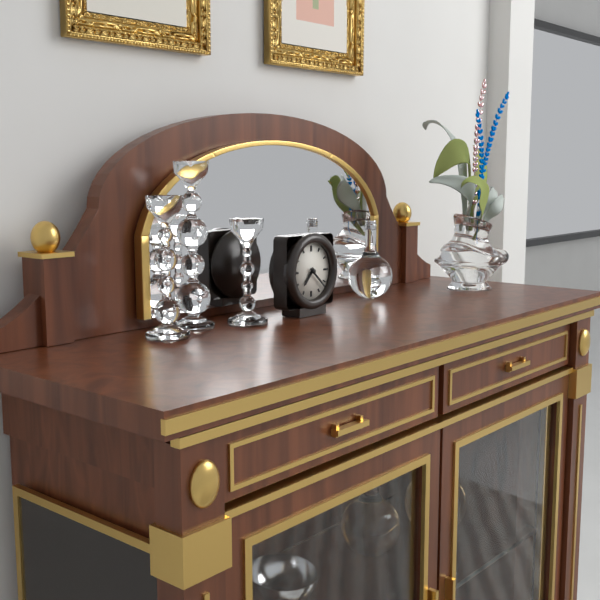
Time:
7:22
